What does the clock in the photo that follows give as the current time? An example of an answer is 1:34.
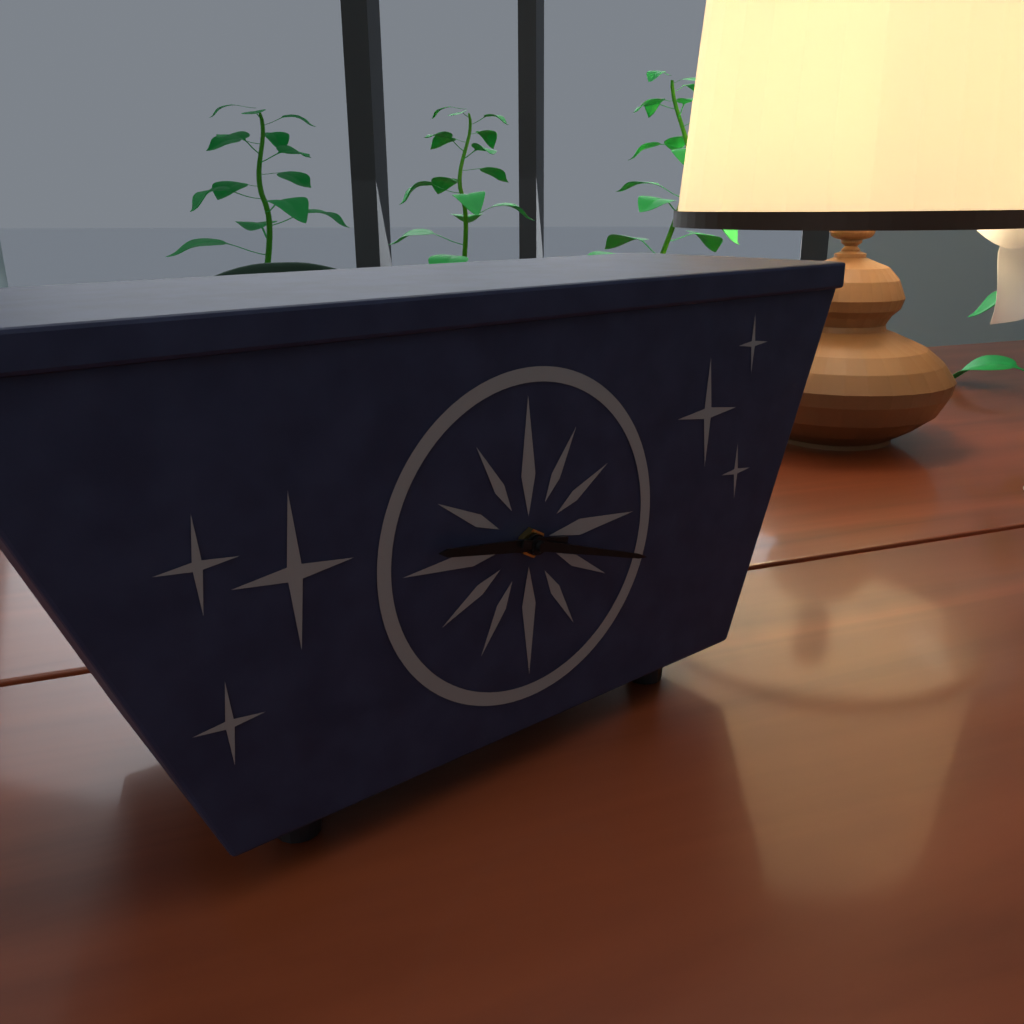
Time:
9:18
